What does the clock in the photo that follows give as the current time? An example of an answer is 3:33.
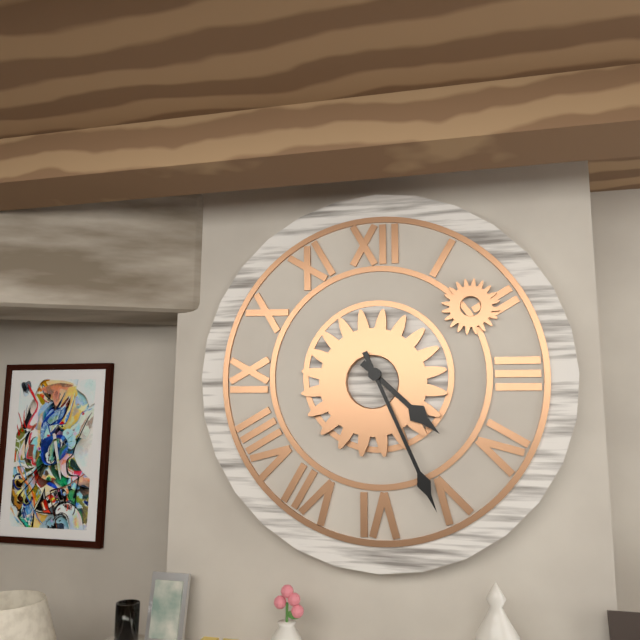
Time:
4:26
